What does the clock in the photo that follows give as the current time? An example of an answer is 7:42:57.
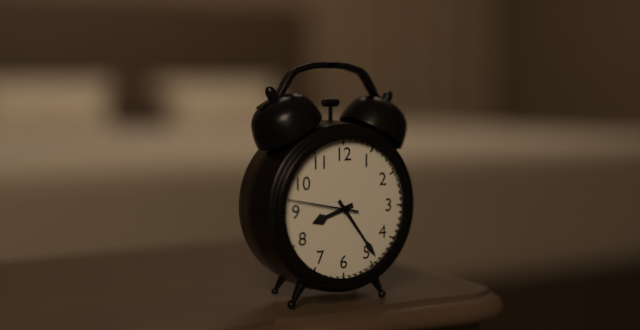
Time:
8:24:47
